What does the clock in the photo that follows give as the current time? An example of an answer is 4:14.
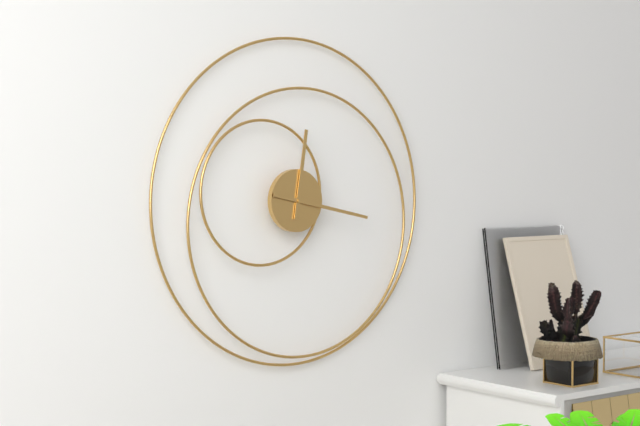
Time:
12:17
